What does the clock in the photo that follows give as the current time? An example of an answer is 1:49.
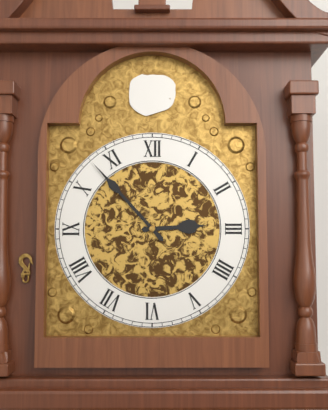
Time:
2:53
